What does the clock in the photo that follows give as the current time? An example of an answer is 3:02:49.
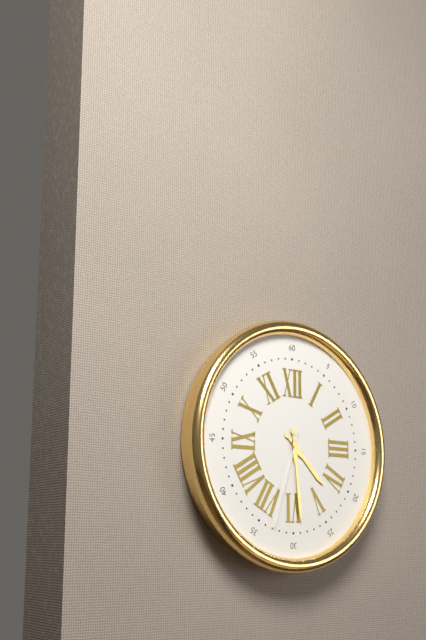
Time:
4:29:33
